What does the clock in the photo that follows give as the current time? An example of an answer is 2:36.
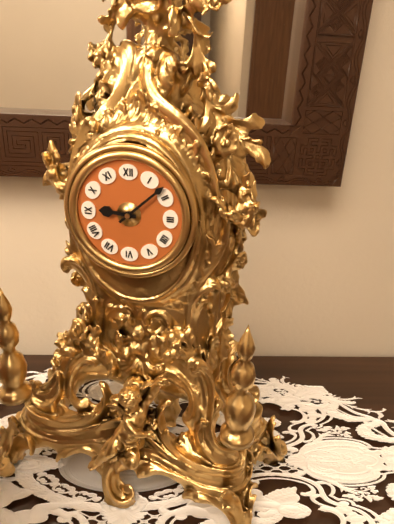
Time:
9:08
